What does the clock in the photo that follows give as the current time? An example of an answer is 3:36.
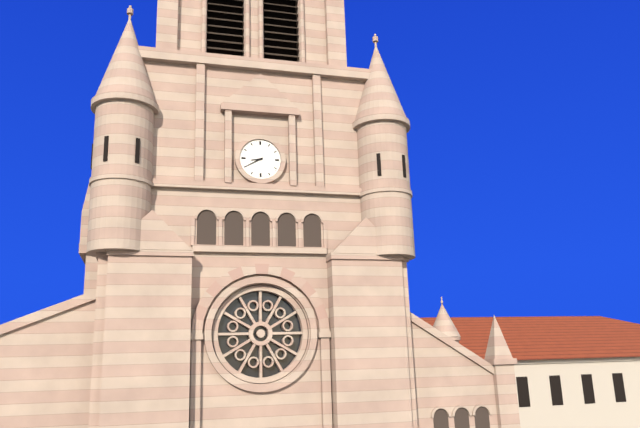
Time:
8:40
